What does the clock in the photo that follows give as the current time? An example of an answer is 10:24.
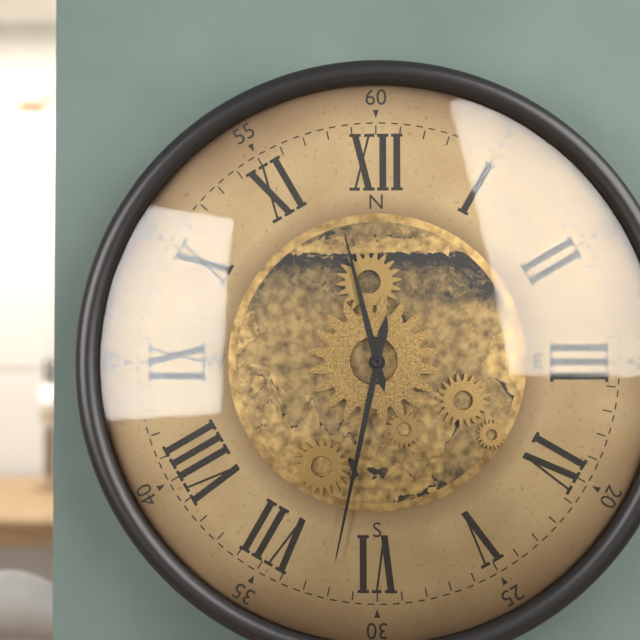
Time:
11:32
